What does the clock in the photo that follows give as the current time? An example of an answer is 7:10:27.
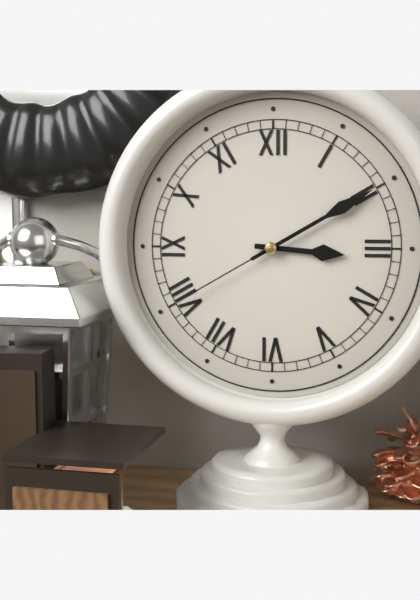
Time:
3:10:40
